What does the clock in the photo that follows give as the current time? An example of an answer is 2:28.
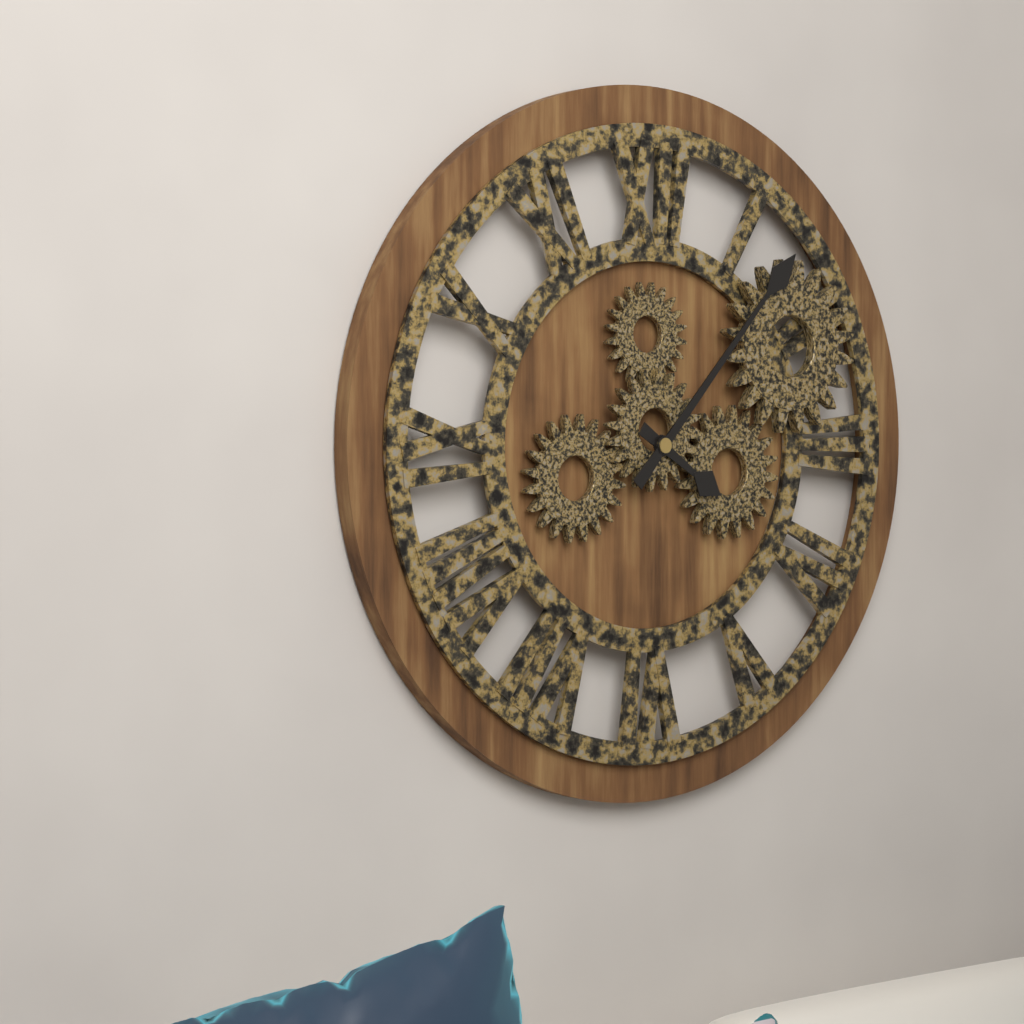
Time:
4:07
